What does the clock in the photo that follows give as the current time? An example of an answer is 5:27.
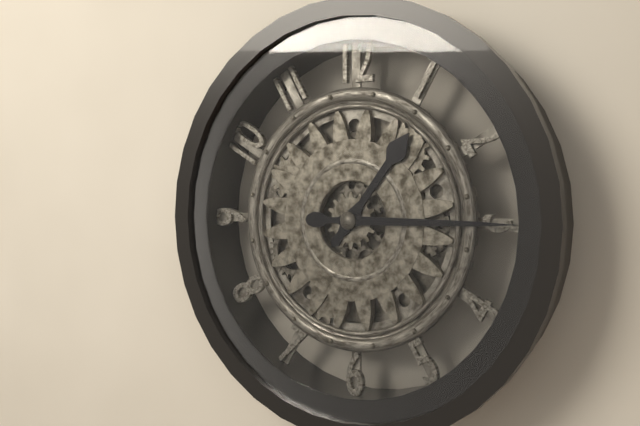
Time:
1:15
